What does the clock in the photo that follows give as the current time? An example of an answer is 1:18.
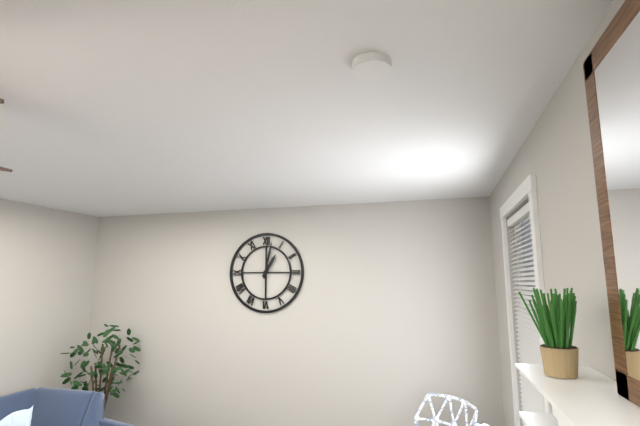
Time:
1:02
